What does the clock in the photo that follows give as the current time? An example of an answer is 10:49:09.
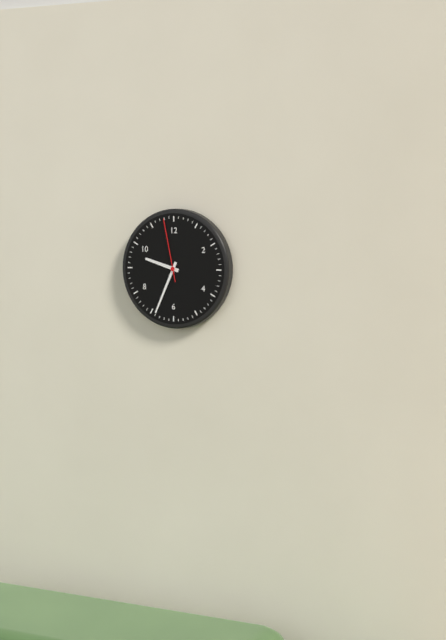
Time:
9:34:58
